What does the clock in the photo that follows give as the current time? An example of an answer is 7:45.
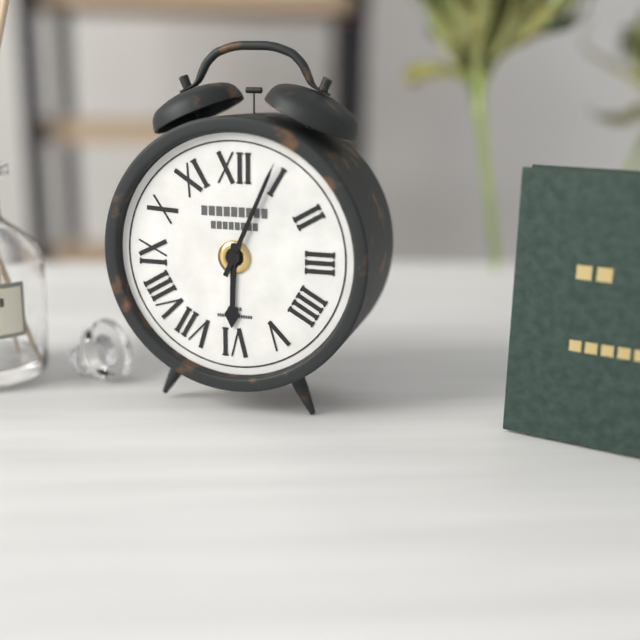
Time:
6:04
